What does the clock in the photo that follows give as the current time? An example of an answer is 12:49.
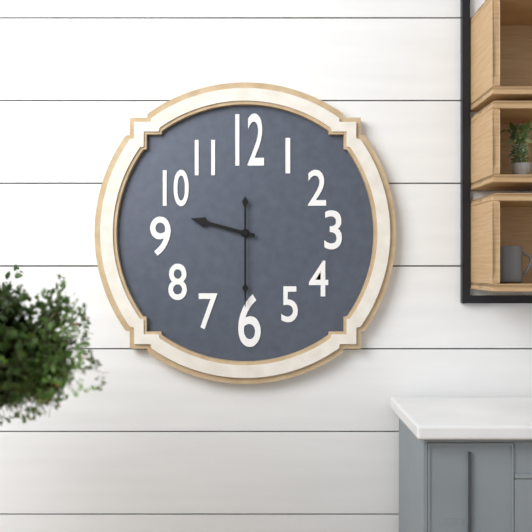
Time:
9:30
